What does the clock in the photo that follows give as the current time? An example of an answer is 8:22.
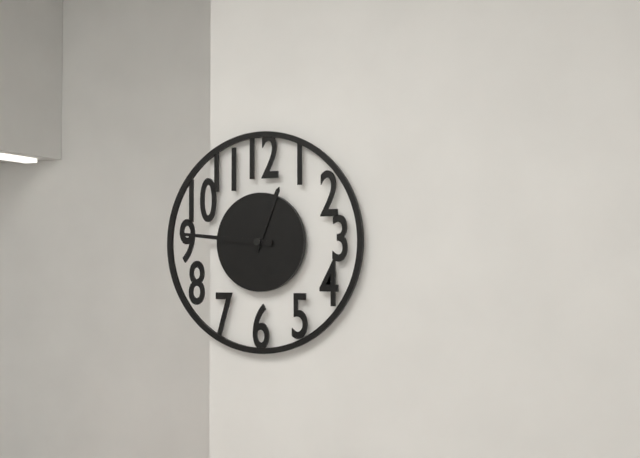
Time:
12:46
